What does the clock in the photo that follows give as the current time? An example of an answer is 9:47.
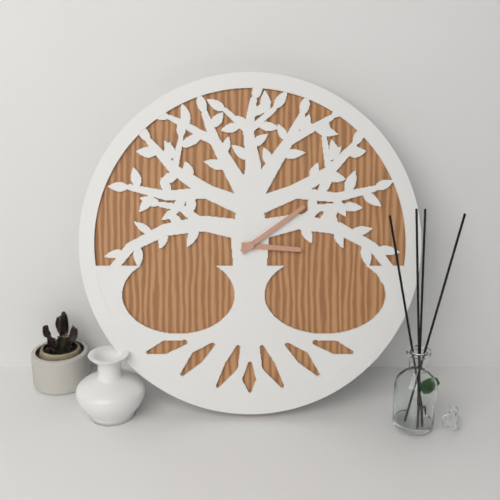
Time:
3:09
